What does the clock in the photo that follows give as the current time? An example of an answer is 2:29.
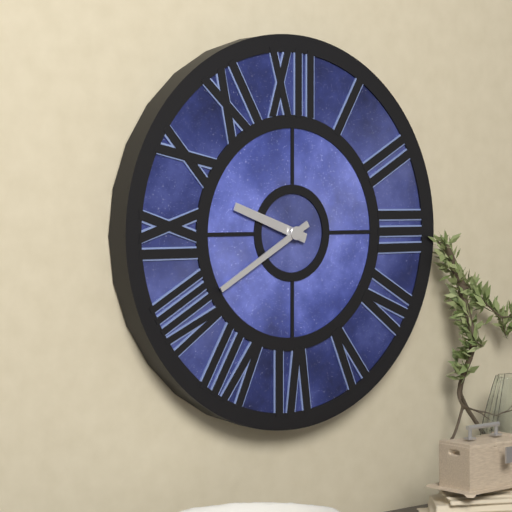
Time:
9:40
